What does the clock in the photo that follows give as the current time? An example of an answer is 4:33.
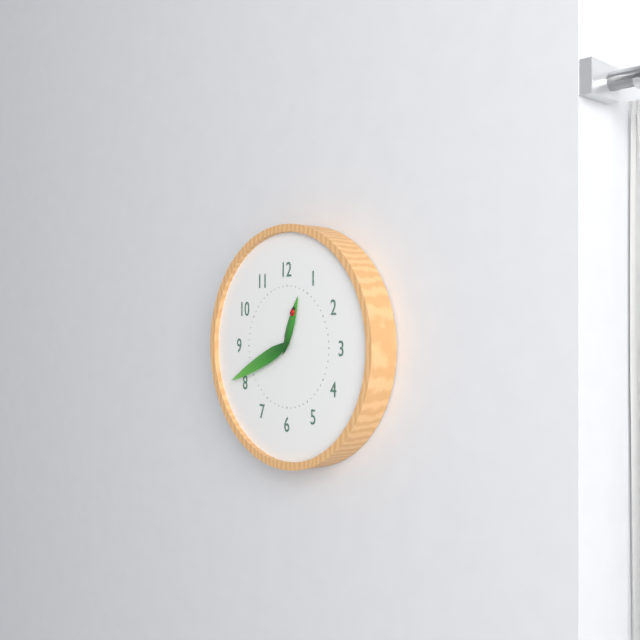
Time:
12:41
